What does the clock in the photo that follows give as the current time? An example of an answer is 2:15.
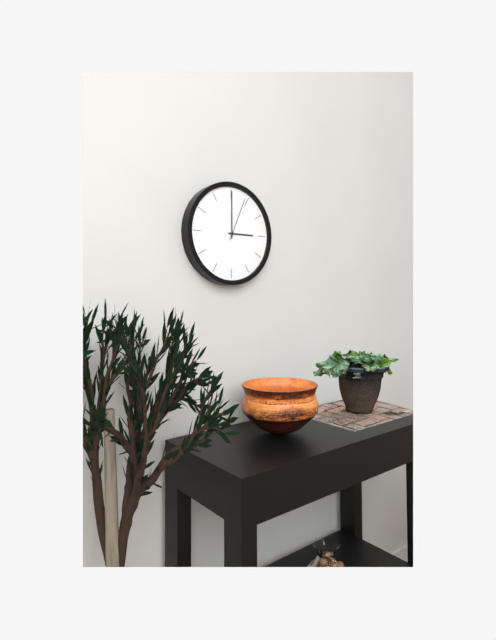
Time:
3:00
